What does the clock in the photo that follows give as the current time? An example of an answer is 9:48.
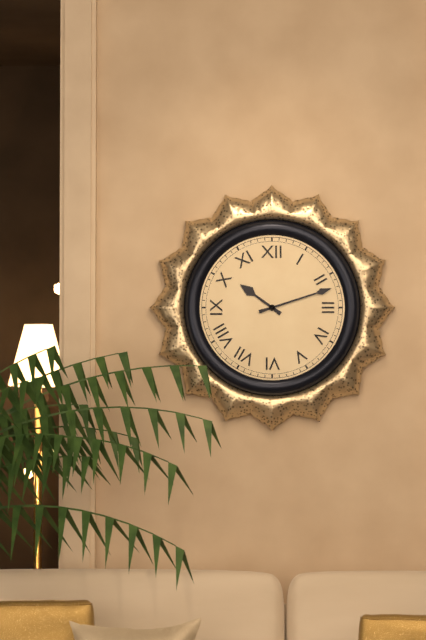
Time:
10:12
